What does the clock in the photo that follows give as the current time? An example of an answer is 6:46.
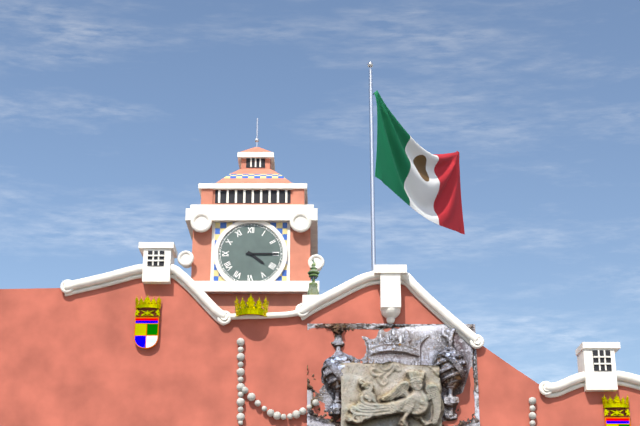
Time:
4:15
